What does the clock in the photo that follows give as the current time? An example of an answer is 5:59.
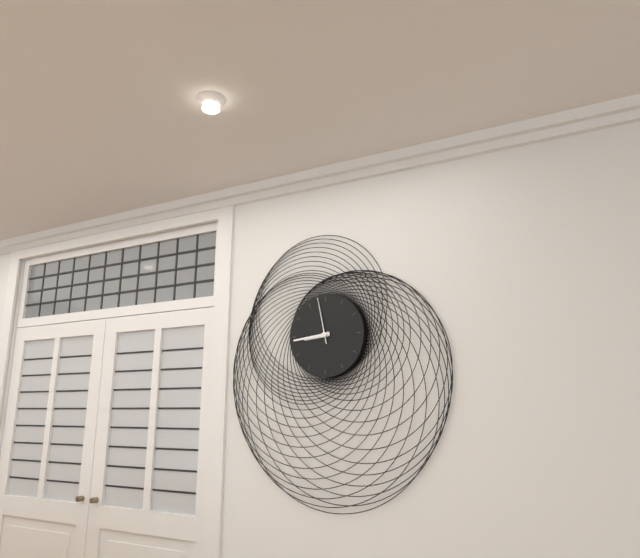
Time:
8:44
